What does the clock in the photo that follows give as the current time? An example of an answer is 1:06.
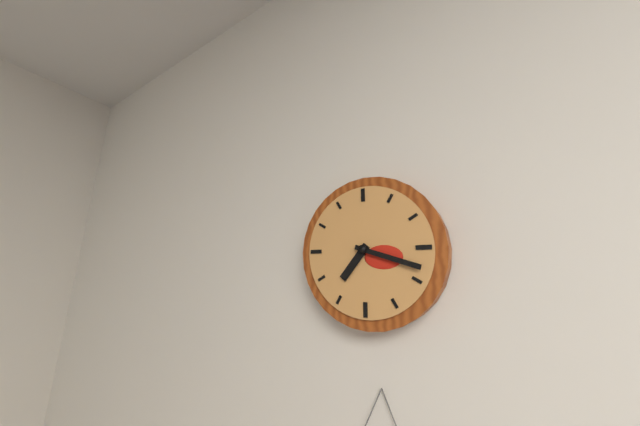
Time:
7:18
